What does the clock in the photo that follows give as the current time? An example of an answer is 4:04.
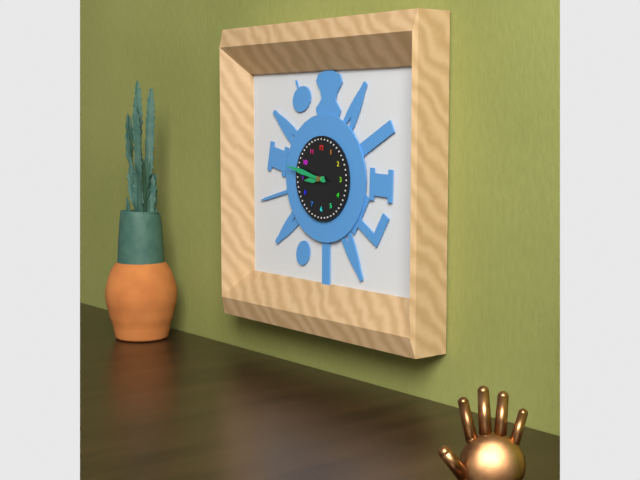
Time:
8:47
